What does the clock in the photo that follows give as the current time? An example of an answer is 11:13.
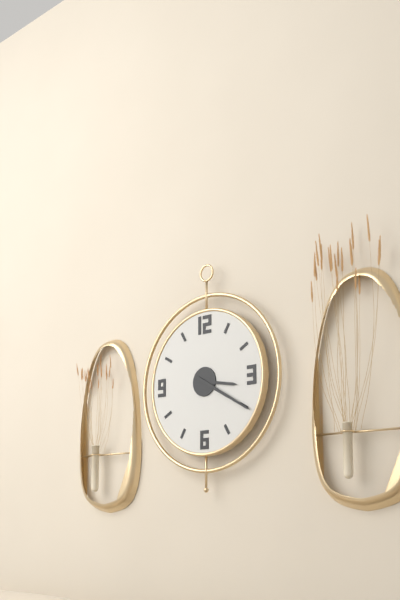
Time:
3:20
